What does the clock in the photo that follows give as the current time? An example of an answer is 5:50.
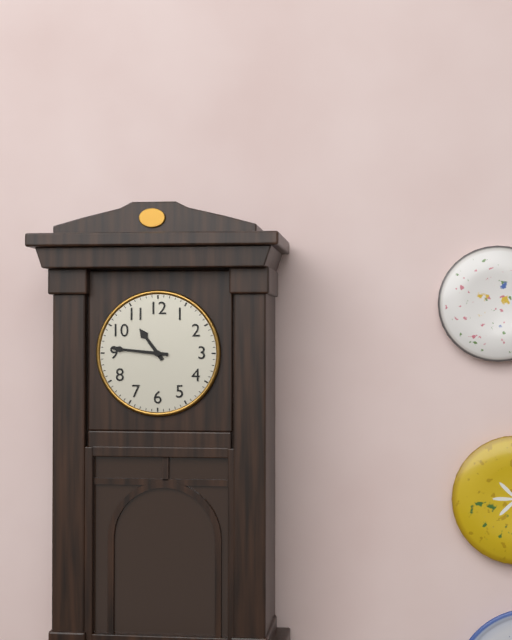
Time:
10:46
